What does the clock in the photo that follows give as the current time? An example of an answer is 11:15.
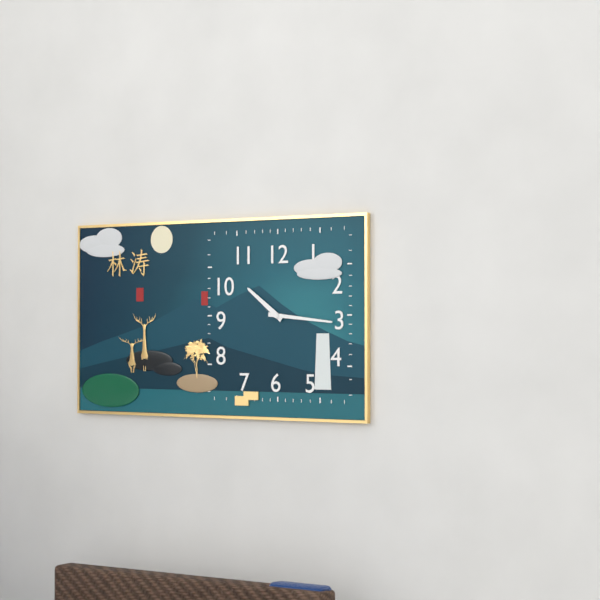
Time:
10:16
